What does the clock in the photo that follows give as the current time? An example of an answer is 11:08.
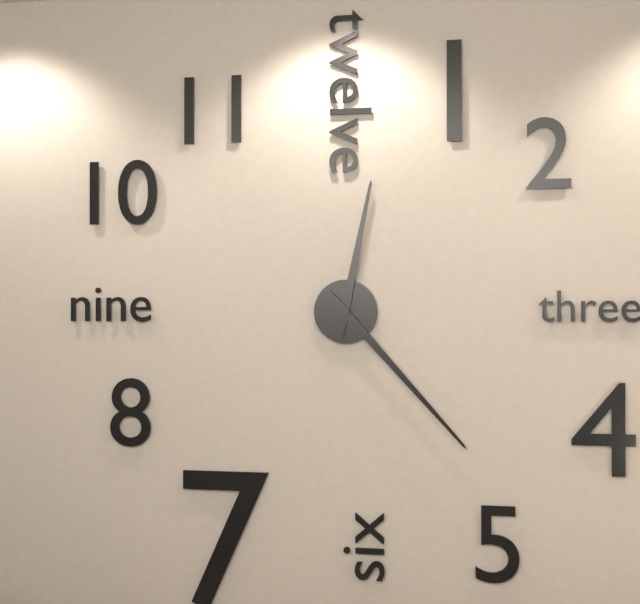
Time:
12:23
